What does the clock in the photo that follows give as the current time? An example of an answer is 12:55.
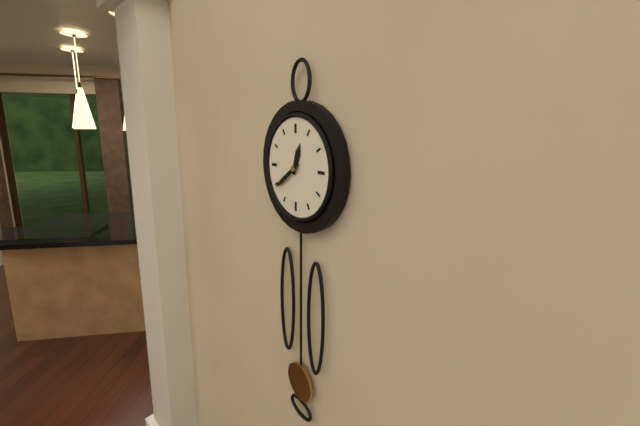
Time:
12:39
